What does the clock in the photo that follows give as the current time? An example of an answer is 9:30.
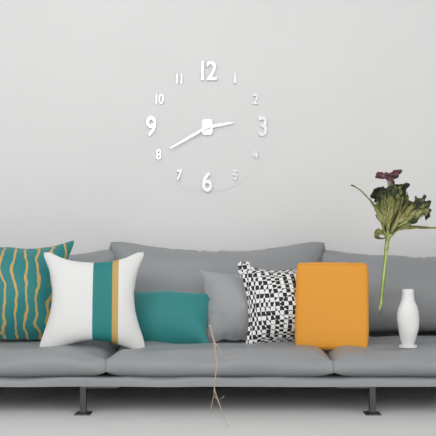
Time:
2:40
